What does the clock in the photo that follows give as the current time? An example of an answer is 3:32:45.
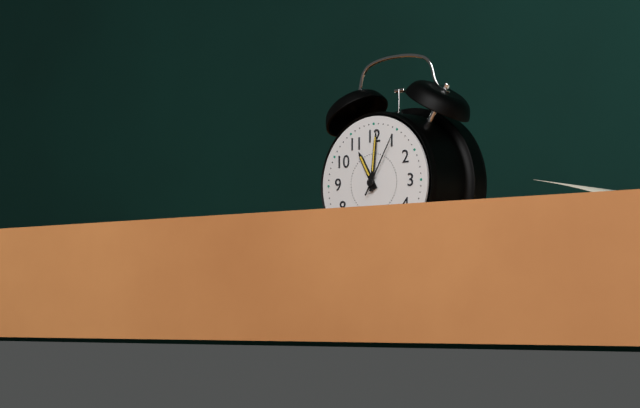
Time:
11:01:05
